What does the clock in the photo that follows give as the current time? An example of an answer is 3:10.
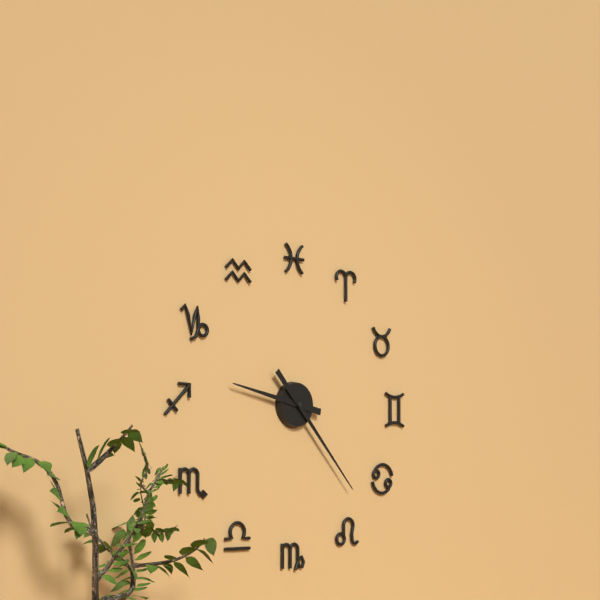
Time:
9:23
